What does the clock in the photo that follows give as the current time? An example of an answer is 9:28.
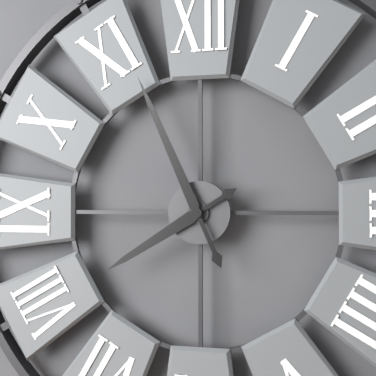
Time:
7:56
